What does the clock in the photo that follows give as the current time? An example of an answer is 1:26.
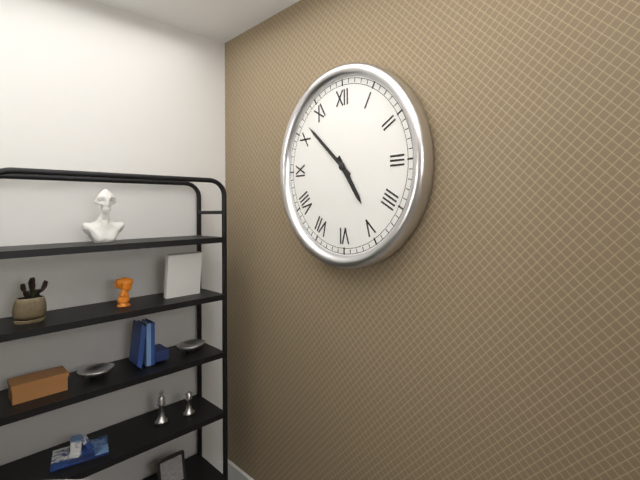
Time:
4:52
